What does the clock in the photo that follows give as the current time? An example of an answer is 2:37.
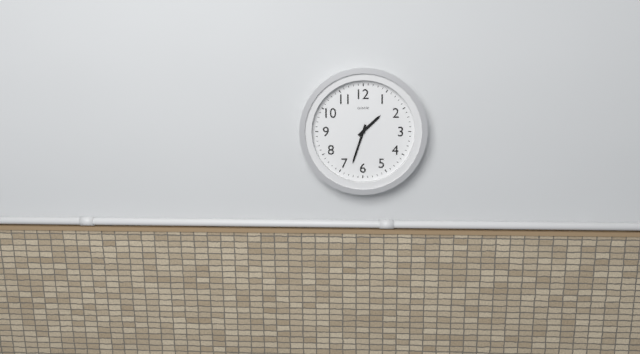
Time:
1:33
